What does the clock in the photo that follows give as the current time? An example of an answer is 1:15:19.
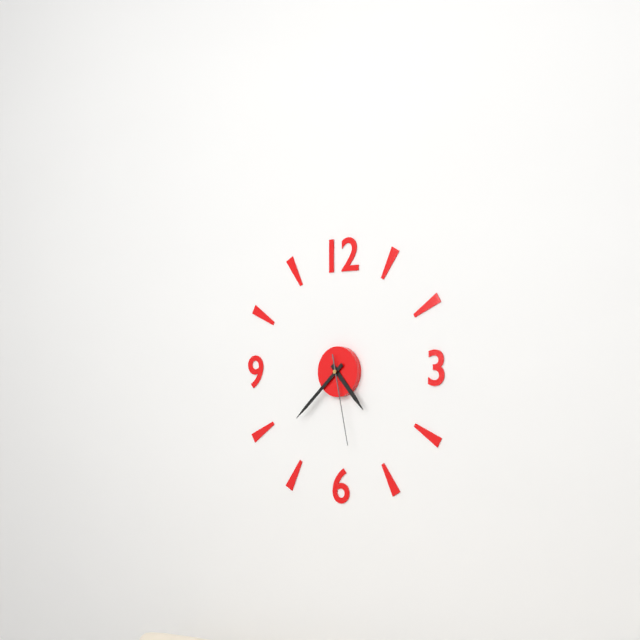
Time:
4:38:28
